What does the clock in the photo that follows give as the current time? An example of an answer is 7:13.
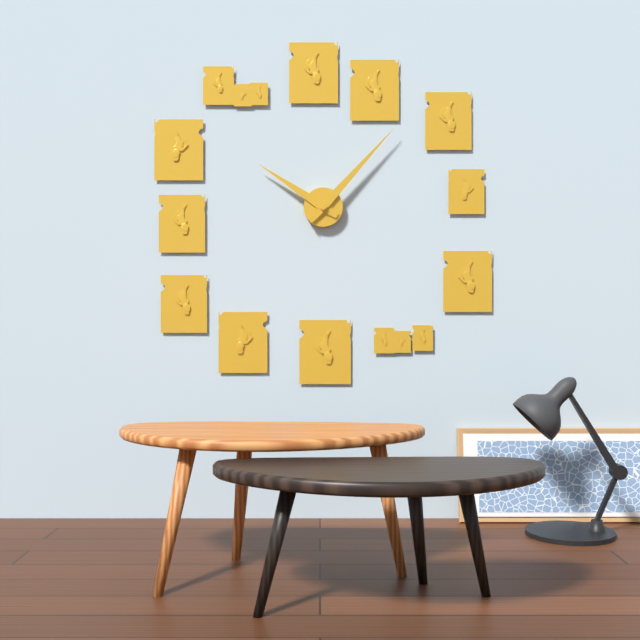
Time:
10:07
